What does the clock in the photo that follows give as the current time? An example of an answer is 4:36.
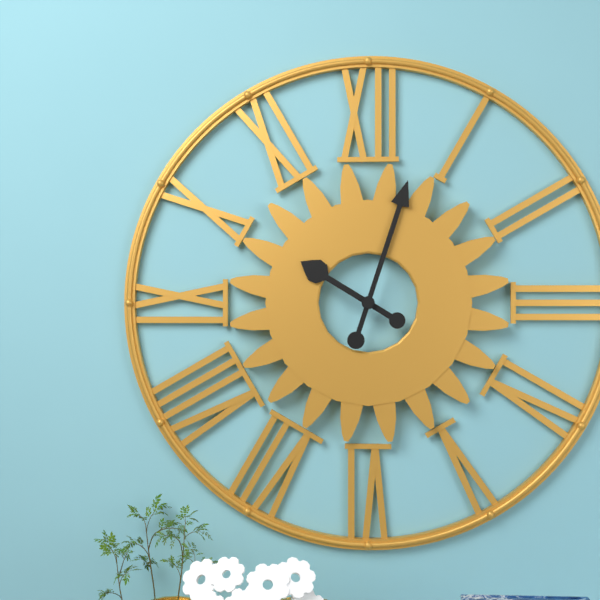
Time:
10:03
